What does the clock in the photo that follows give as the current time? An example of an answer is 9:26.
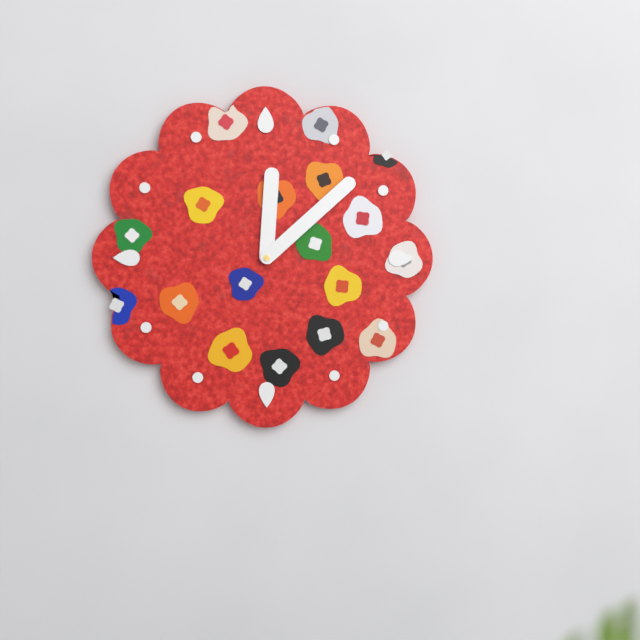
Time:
12:08
